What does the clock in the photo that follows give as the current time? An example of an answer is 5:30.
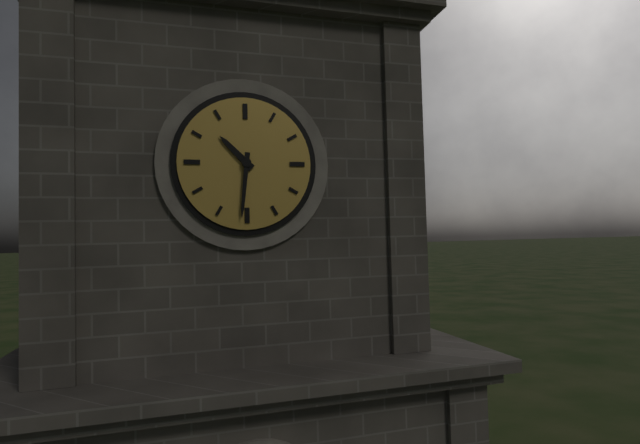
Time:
10:31
